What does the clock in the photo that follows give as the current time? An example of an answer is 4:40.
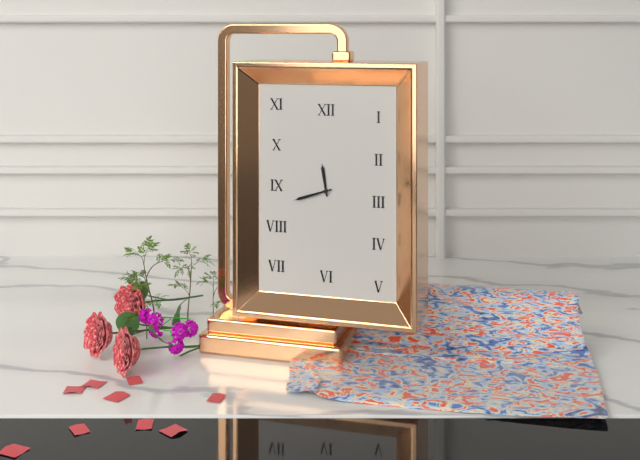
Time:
11:42
